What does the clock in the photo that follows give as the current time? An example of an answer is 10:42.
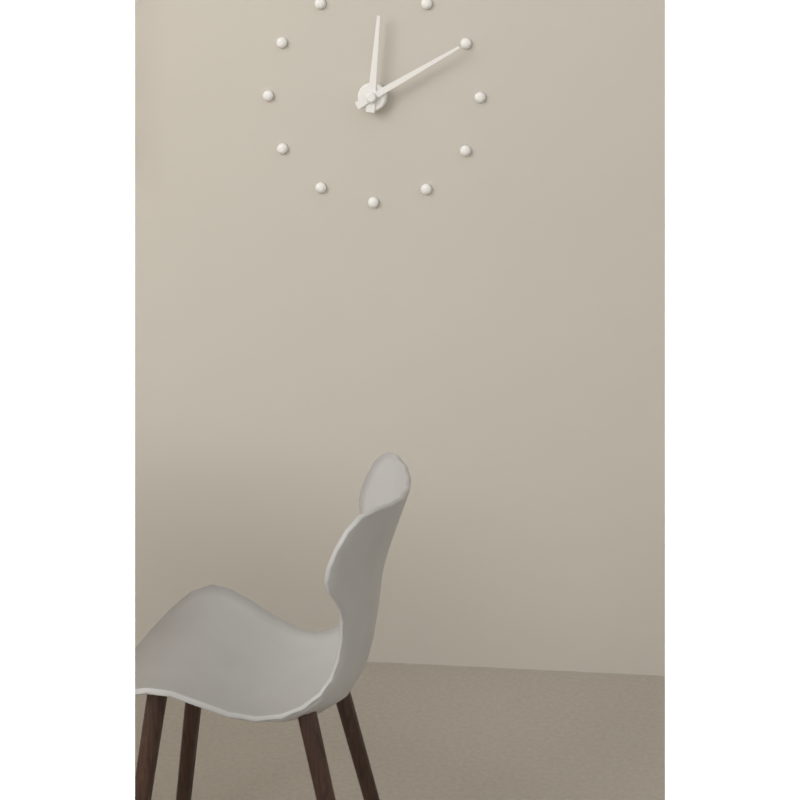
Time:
12:10
